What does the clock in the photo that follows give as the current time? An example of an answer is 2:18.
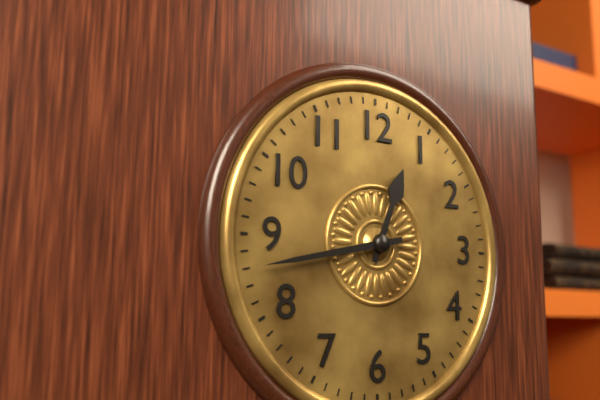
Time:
12:43
